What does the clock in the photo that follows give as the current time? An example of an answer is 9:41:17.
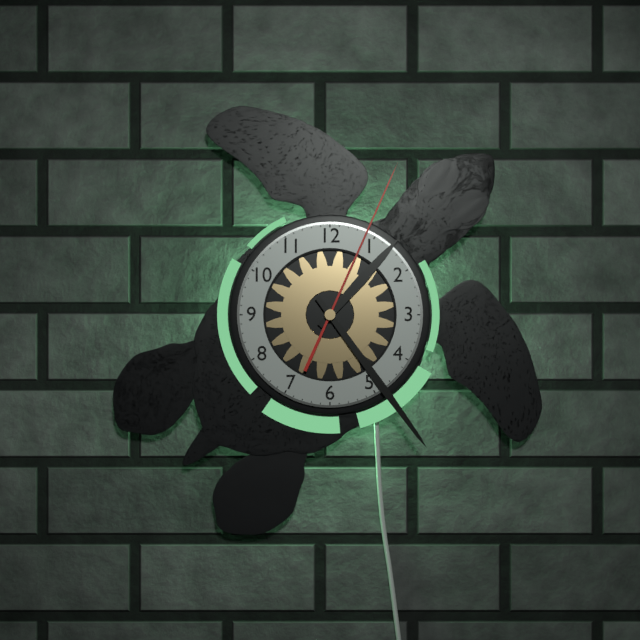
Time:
1:24:04
